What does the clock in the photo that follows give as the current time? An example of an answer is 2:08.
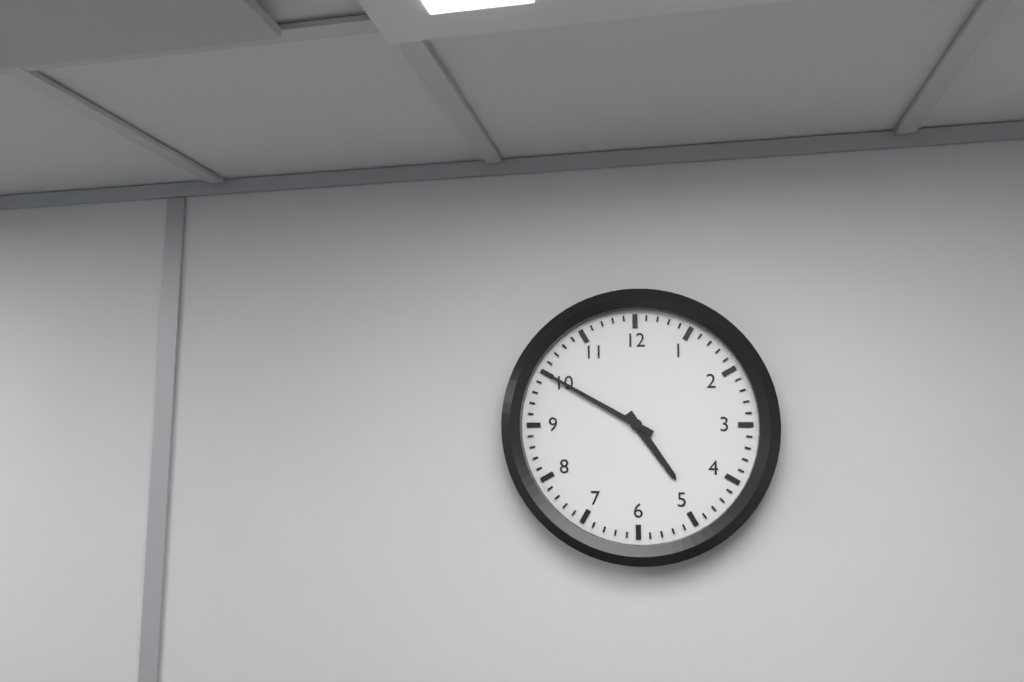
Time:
4:50
